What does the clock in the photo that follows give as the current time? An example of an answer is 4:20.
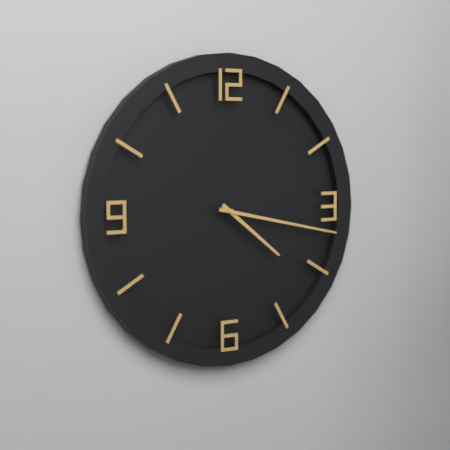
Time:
4:17
